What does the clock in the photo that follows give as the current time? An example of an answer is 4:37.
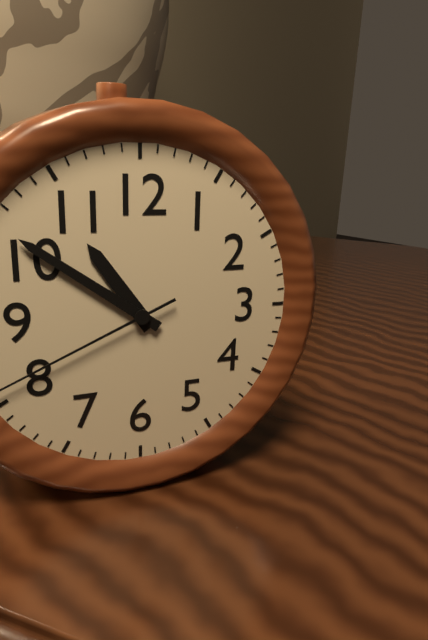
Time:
10:51
